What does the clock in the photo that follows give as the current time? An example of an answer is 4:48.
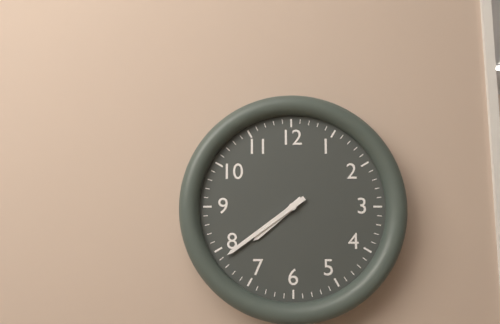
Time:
7:39
